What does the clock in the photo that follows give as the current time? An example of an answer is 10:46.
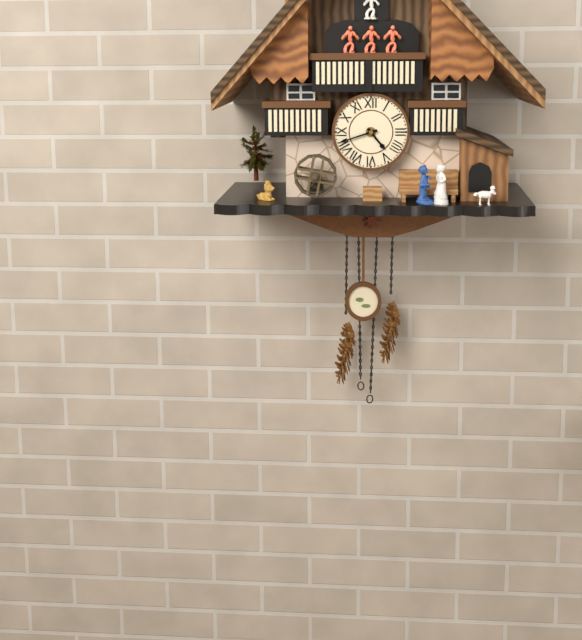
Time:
4:42
